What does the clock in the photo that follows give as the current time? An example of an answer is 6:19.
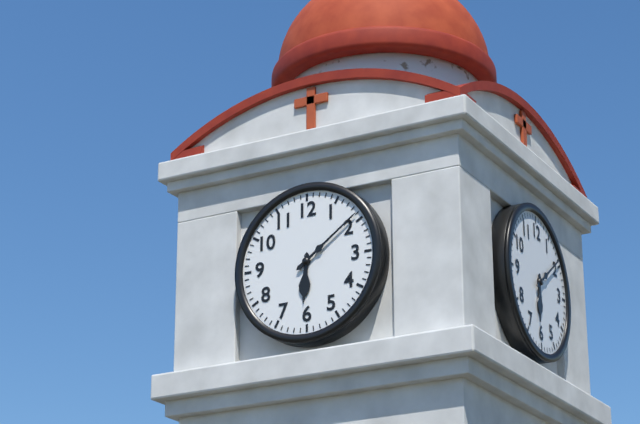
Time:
6:09
